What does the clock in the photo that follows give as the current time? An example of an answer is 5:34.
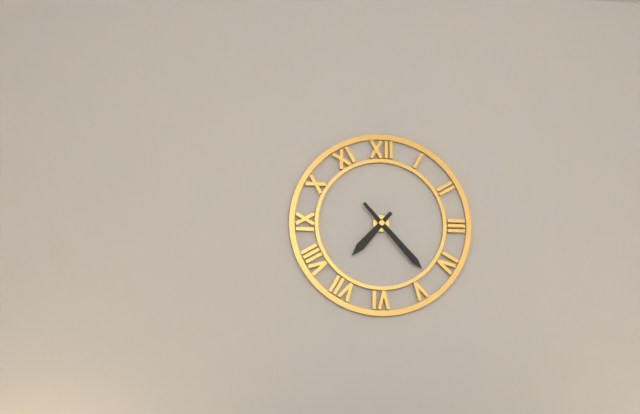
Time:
7:23
